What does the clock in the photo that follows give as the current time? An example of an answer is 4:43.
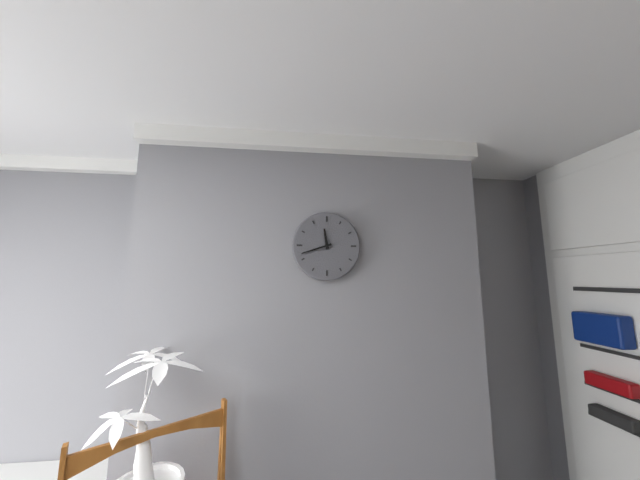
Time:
11:42
